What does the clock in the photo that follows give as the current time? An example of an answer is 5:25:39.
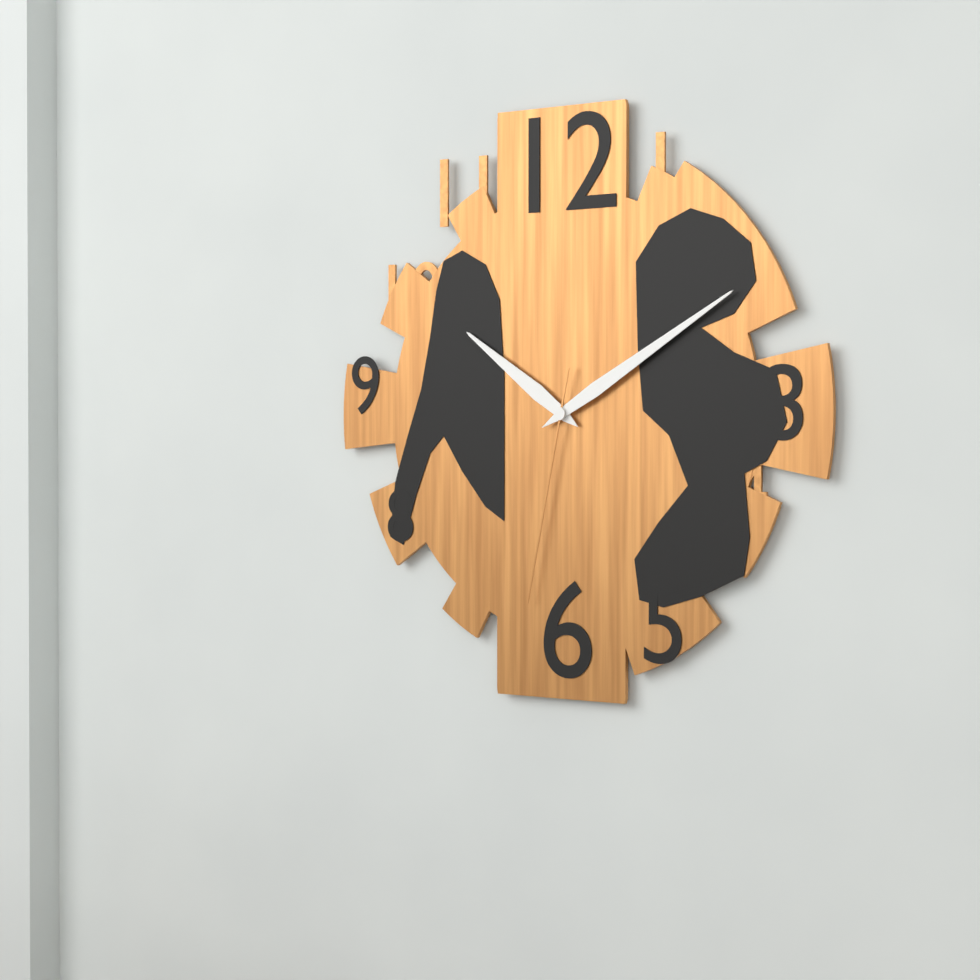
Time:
10:10:32
